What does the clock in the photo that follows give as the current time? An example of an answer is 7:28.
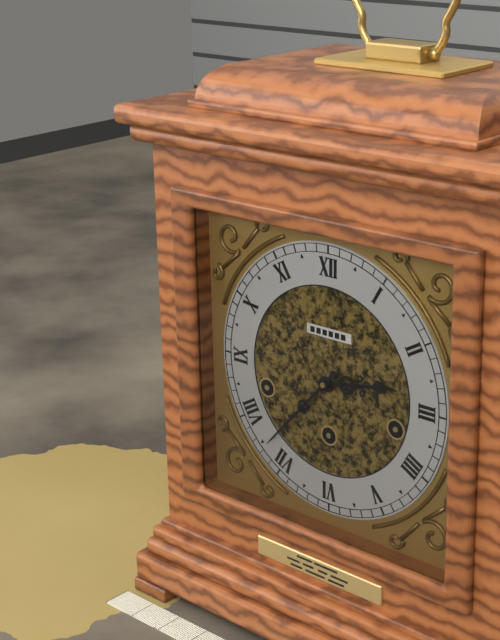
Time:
2:37
